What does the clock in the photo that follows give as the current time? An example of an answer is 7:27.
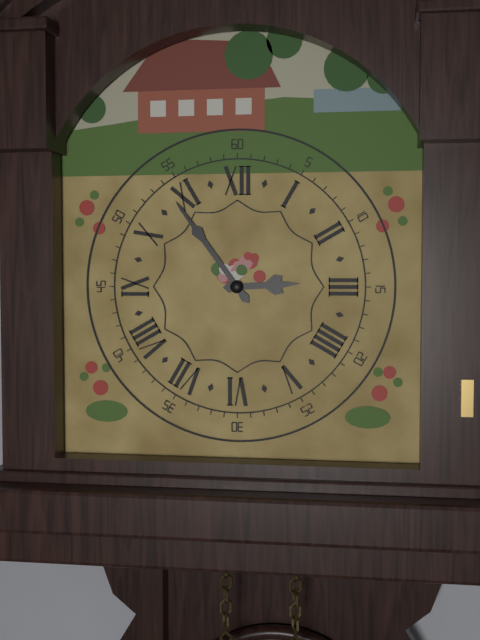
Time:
2:54
